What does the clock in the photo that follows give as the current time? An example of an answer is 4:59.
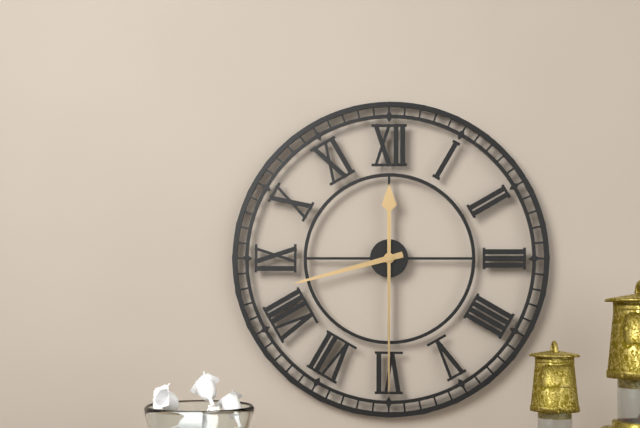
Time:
8:30
